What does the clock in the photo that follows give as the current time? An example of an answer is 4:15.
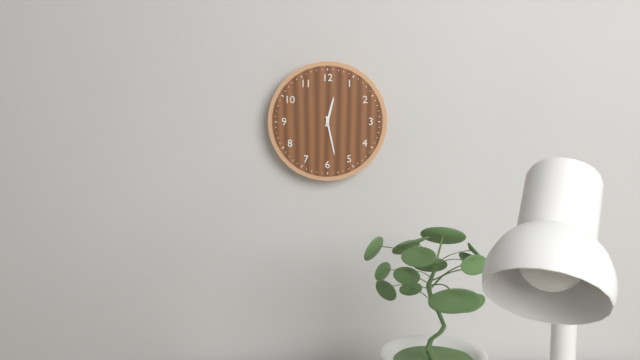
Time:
12:28
